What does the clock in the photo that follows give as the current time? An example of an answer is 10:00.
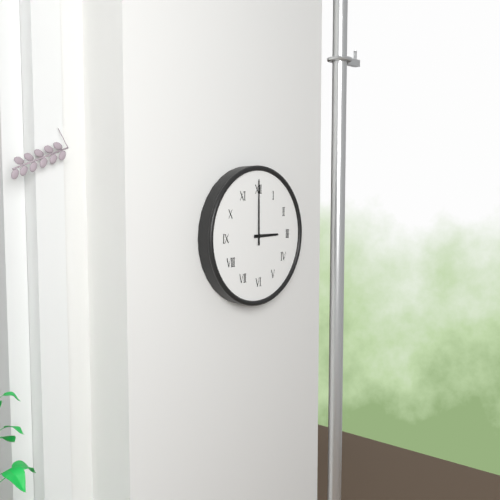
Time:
3:00
